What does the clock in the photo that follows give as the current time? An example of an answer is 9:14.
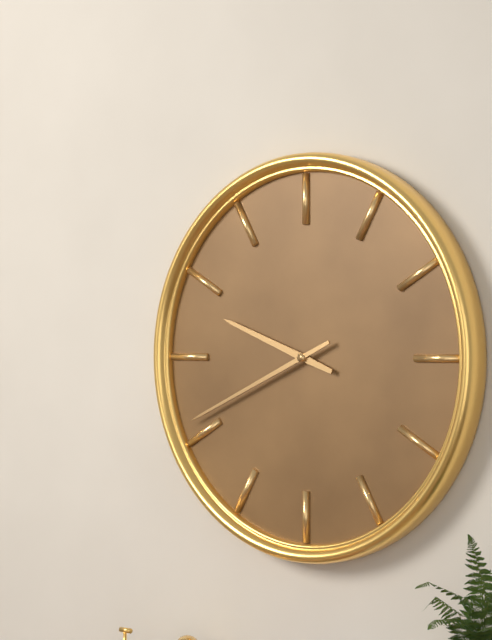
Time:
9:41
